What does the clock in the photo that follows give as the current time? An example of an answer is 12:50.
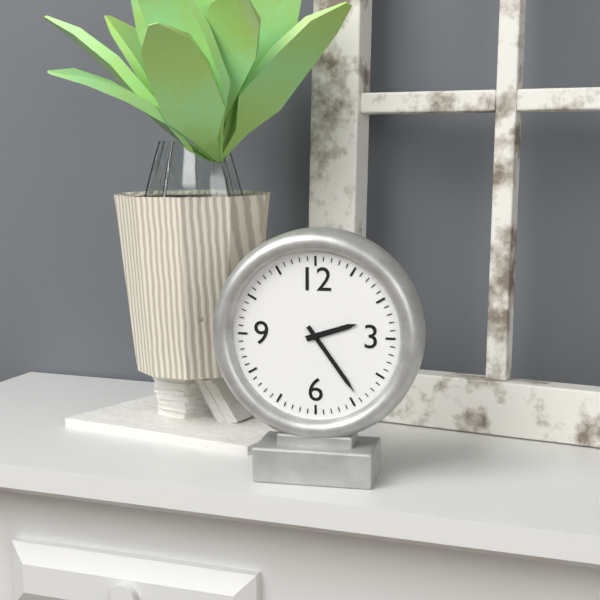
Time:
2:24
